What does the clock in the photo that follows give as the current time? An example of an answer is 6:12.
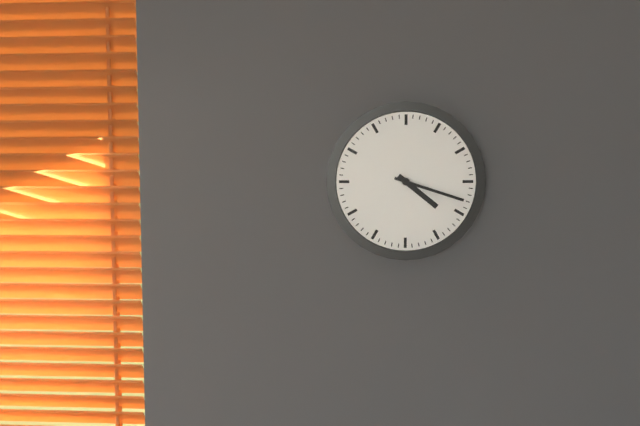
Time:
4:18
